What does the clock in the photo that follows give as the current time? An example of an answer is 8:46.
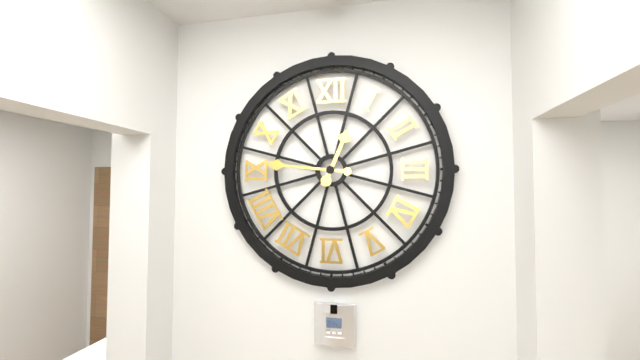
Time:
12:46
